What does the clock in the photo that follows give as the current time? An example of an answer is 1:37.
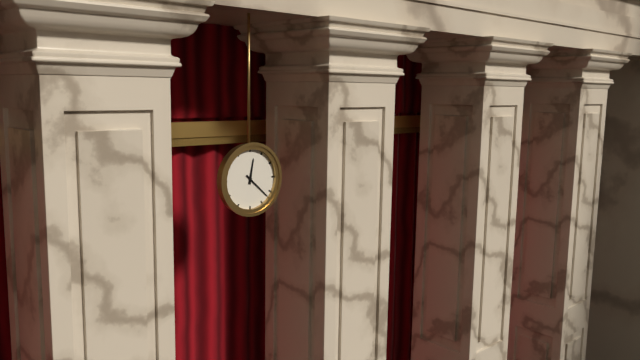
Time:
12:22
